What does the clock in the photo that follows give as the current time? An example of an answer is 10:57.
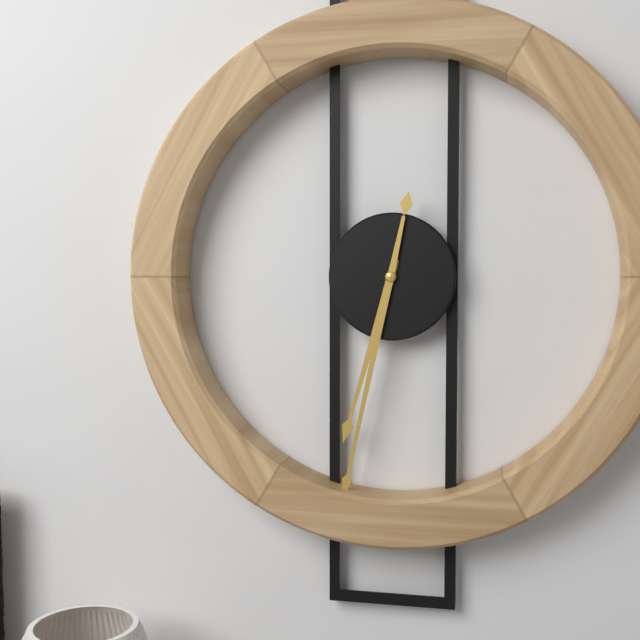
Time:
6:32
